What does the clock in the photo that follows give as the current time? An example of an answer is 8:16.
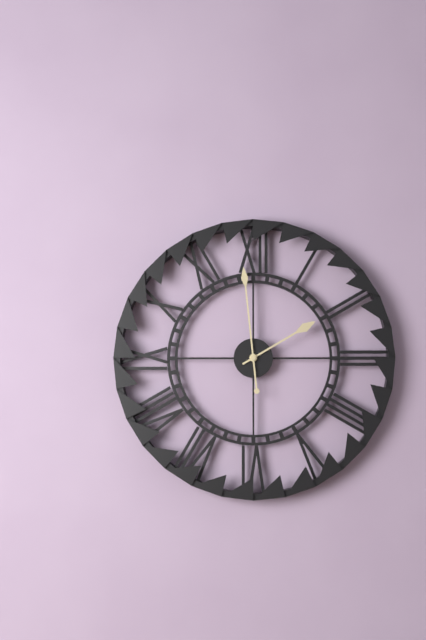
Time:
1:59
